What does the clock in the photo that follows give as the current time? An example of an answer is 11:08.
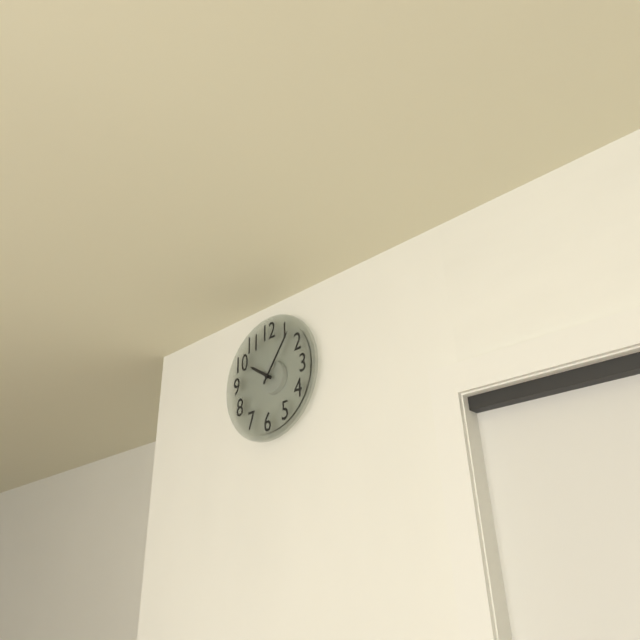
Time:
10:06
